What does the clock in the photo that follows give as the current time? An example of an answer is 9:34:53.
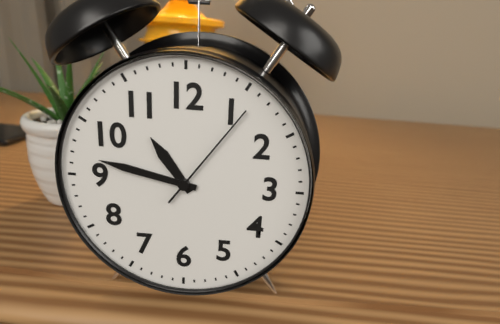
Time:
10:47:06
